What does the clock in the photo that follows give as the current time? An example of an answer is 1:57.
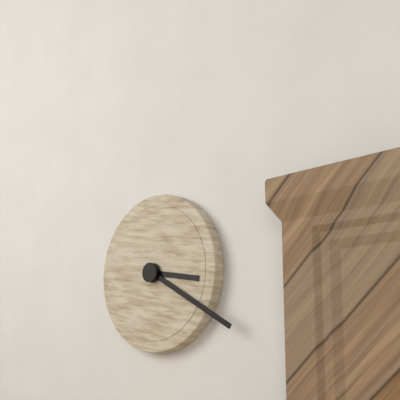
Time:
3:20
